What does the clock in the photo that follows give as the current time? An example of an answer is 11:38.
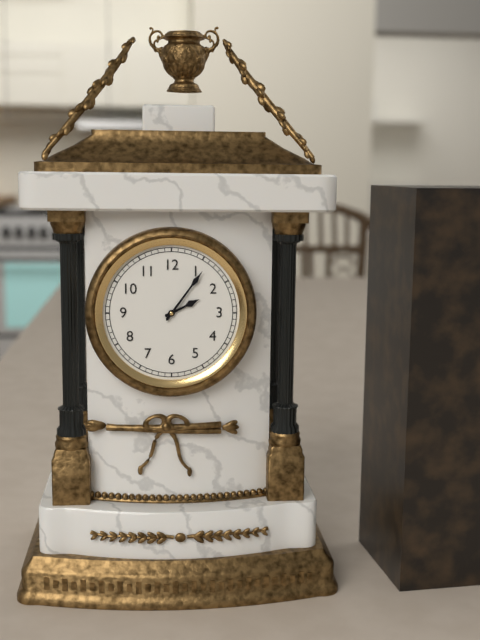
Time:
2:06
